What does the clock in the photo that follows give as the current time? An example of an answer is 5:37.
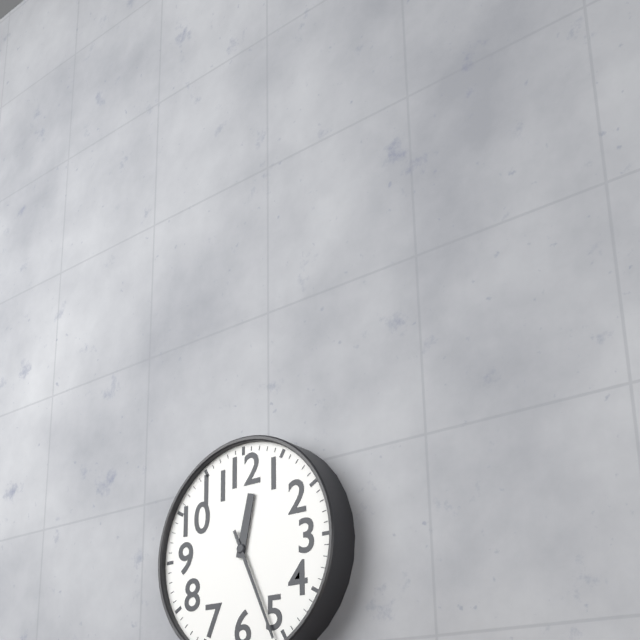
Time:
12:26
